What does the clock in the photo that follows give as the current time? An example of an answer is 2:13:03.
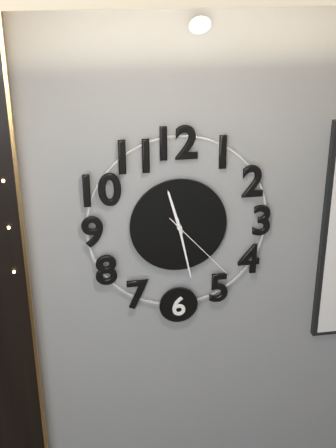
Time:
11:28:23
